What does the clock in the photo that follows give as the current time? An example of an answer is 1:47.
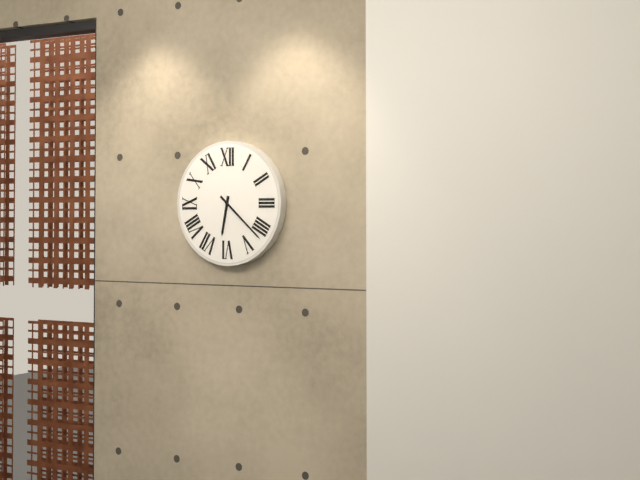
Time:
6:22
